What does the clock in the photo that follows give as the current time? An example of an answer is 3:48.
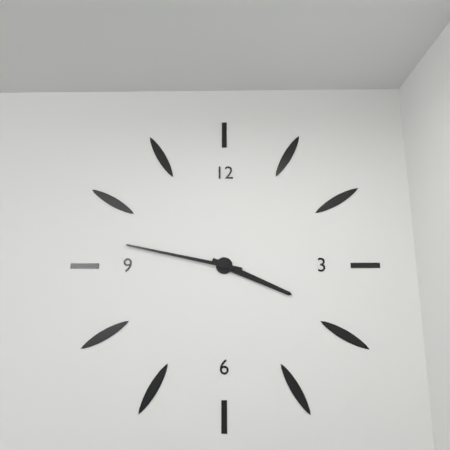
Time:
3:47
